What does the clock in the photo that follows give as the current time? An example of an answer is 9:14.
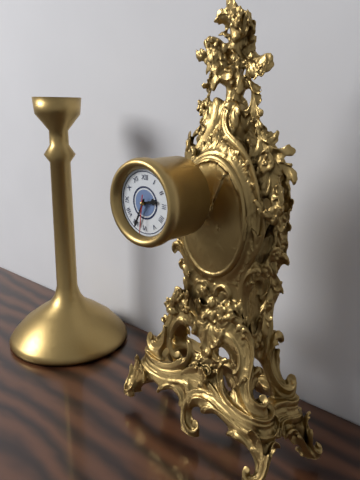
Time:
2:34
